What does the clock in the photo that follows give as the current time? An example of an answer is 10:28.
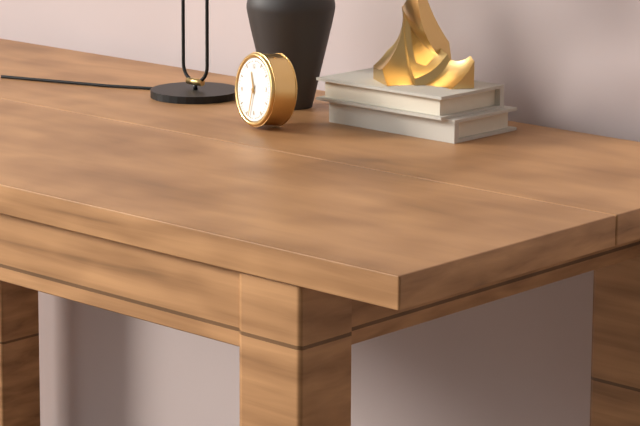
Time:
11:33
